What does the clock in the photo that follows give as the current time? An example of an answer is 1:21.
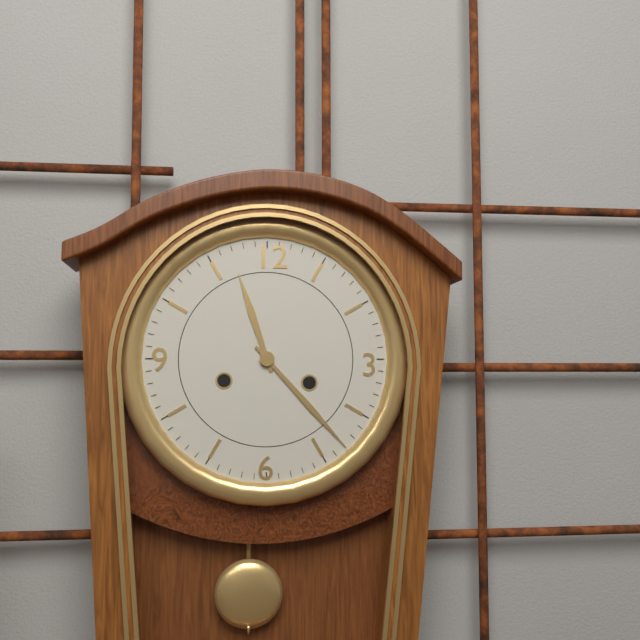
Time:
11:23
